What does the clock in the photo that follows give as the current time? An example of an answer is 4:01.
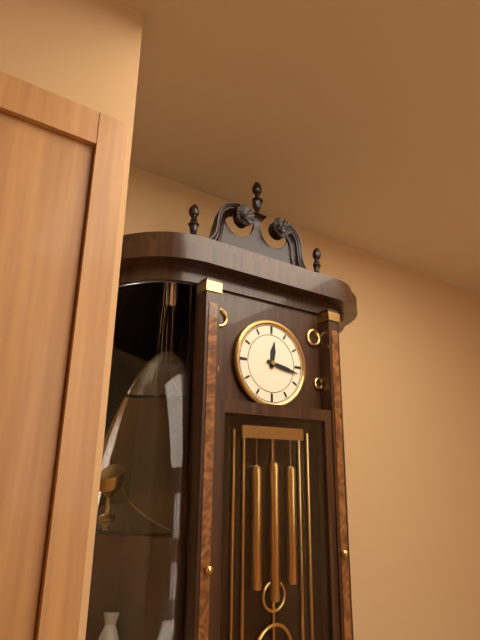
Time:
12:17
